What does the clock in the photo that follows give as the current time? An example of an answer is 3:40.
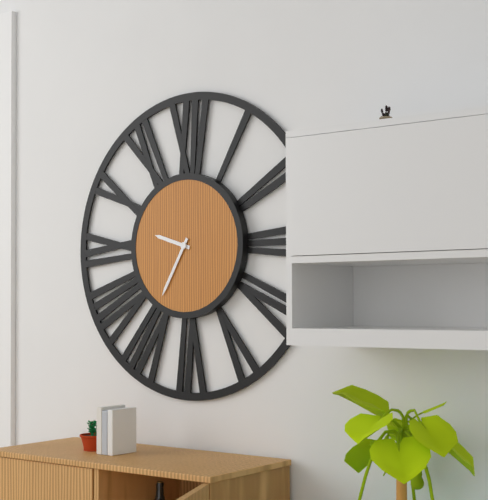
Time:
9:35
